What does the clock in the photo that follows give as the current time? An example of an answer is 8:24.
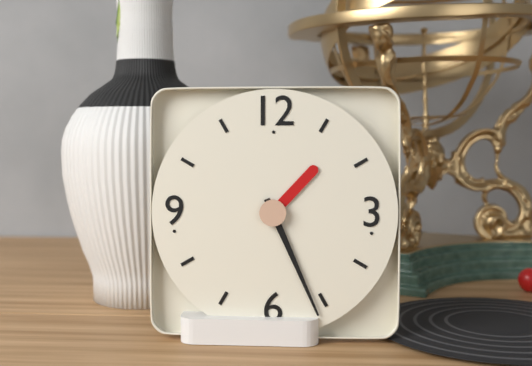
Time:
1:26
